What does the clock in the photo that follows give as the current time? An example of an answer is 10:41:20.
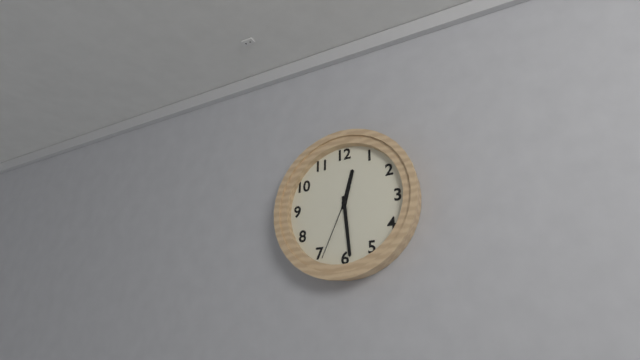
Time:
12:29:34
